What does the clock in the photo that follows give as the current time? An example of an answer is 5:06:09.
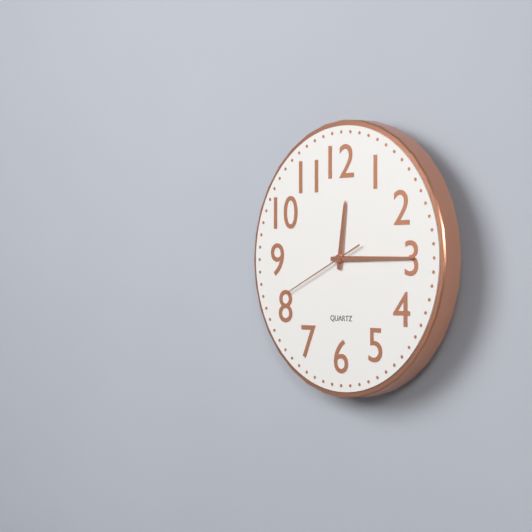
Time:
12:15:41
